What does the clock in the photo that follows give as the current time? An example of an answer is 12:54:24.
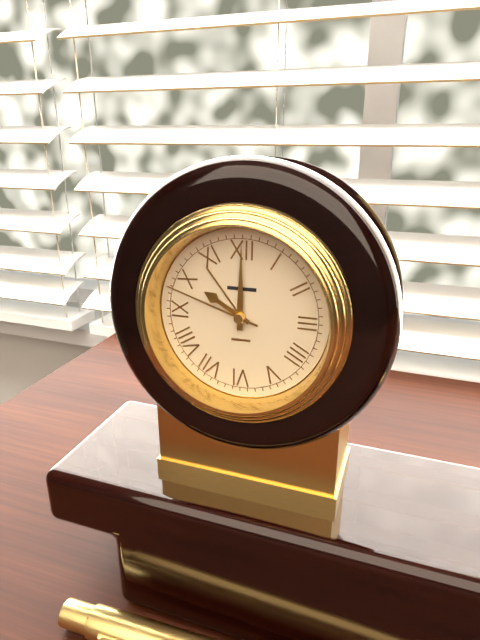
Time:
10:00:48
